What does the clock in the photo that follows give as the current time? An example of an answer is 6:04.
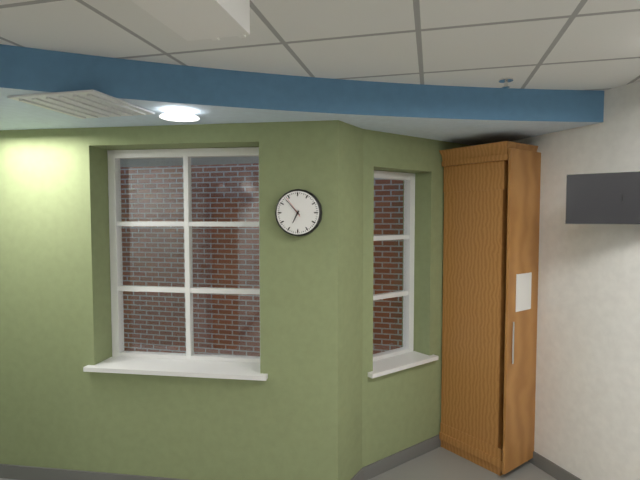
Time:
6:53
